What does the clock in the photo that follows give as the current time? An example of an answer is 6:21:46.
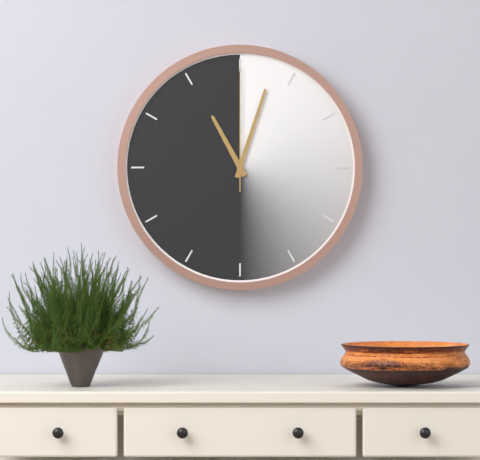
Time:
11:03:00
